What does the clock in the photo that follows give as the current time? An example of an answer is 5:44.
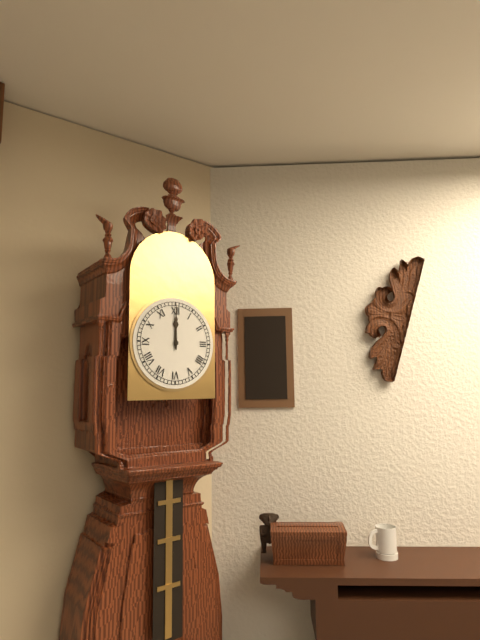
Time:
12:00
